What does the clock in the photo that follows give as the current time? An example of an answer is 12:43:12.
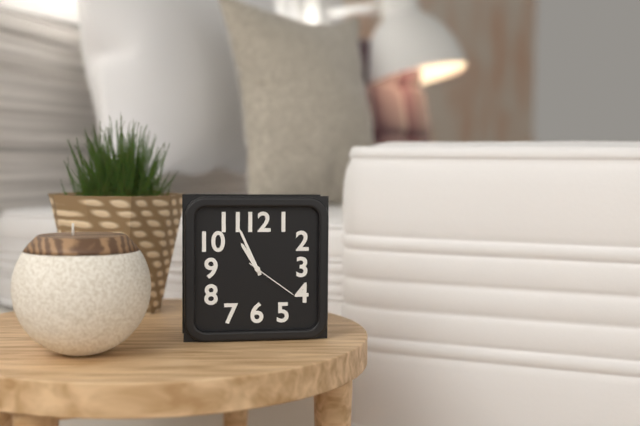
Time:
10:56:21
